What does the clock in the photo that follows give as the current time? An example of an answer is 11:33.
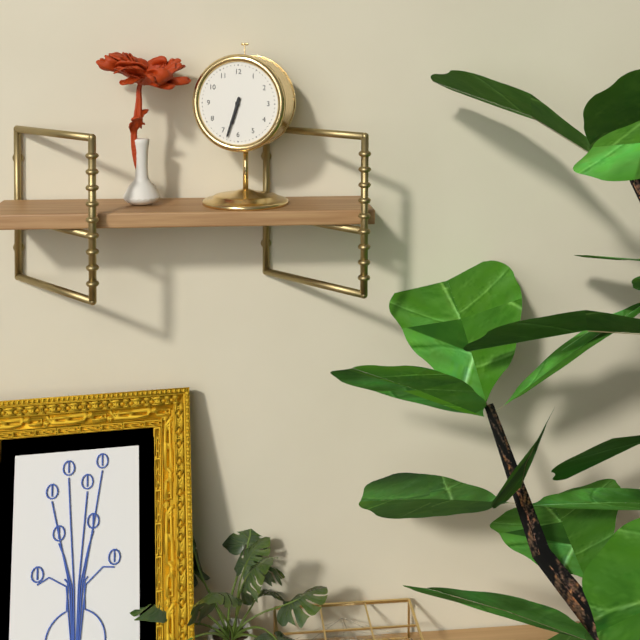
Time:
6:33
